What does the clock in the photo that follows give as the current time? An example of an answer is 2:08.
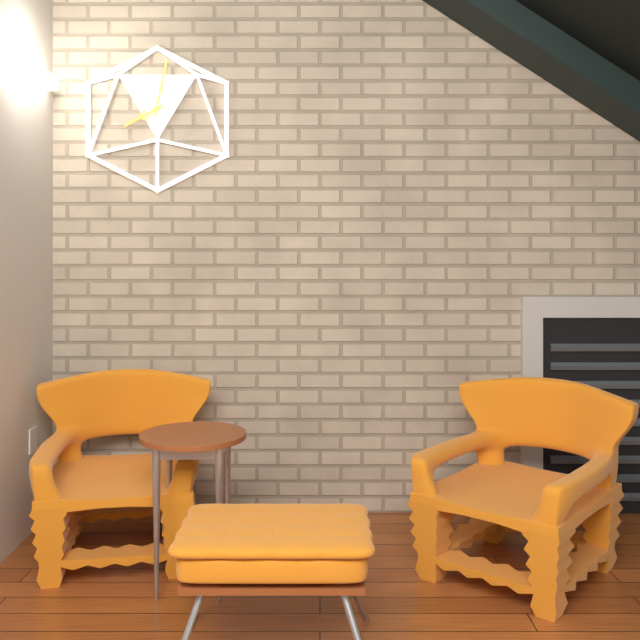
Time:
8:02
